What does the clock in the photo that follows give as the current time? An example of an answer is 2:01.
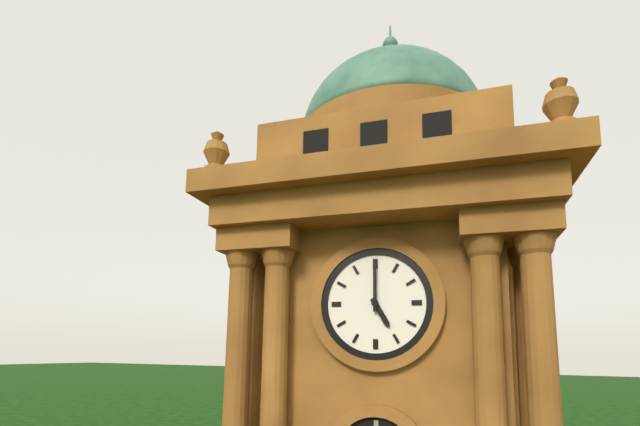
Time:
5:00
